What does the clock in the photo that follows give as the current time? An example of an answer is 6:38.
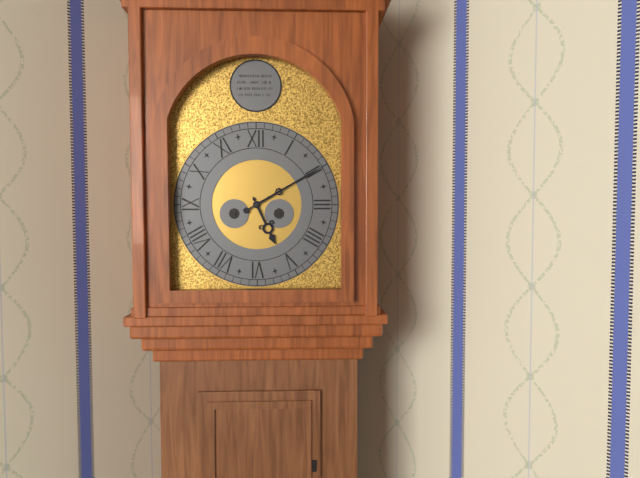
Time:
5:10
